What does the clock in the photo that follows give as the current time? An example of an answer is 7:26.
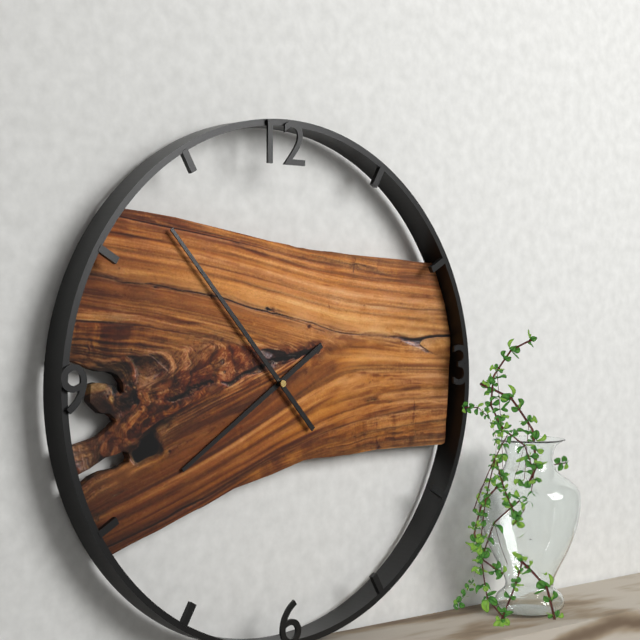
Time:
7:53
